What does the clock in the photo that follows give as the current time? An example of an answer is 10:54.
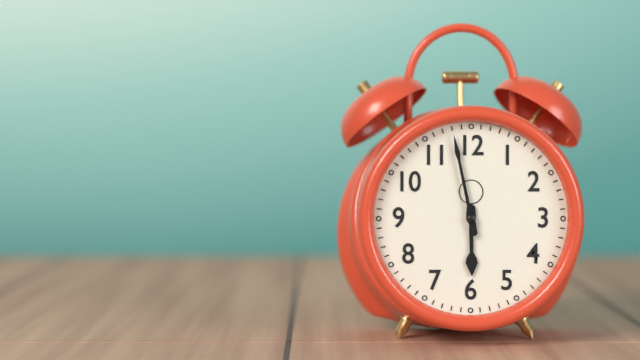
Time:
5:58
